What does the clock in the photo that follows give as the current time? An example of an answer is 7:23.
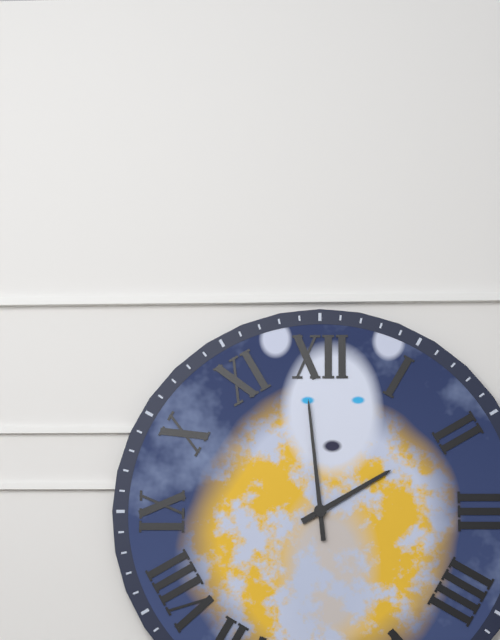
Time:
1:59
